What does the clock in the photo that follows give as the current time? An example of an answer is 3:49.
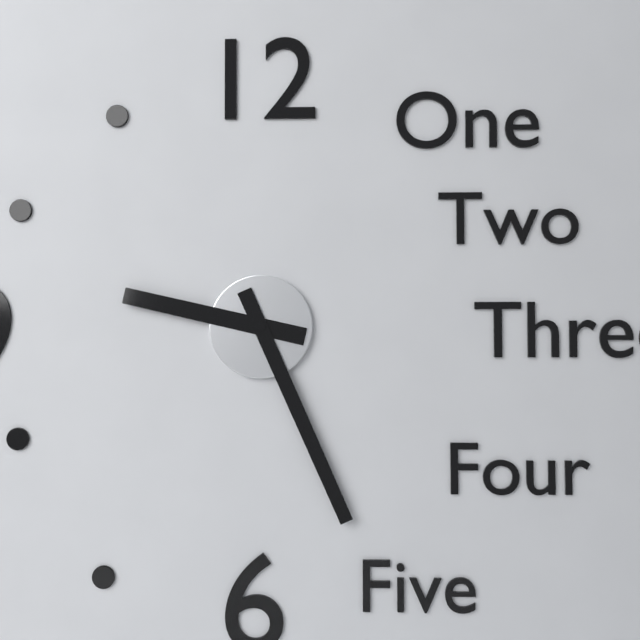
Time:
9:26
